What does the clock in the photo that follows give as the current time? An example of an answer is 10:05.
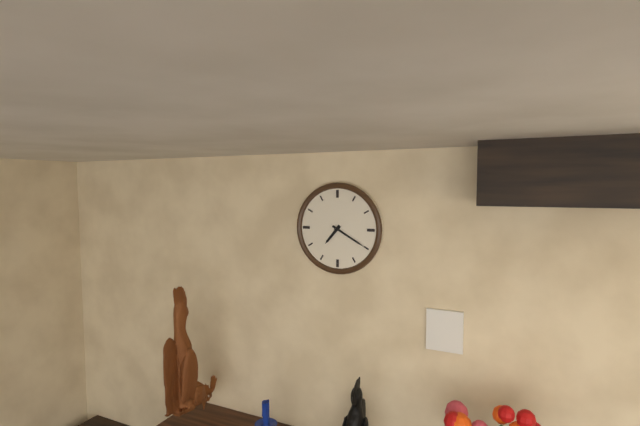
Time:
7:20
